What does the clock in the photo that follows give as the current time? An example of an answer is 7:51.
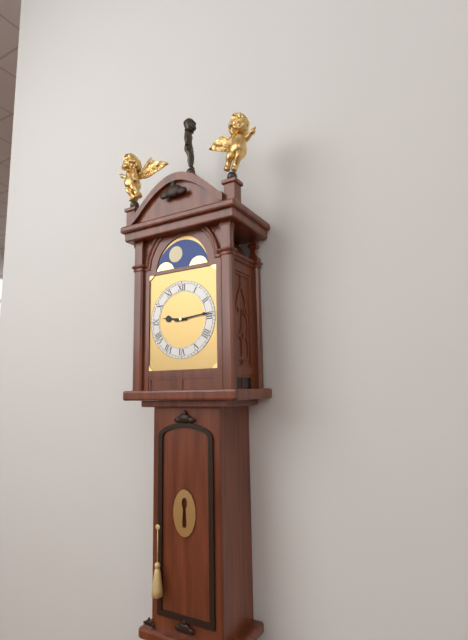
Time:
9:14
